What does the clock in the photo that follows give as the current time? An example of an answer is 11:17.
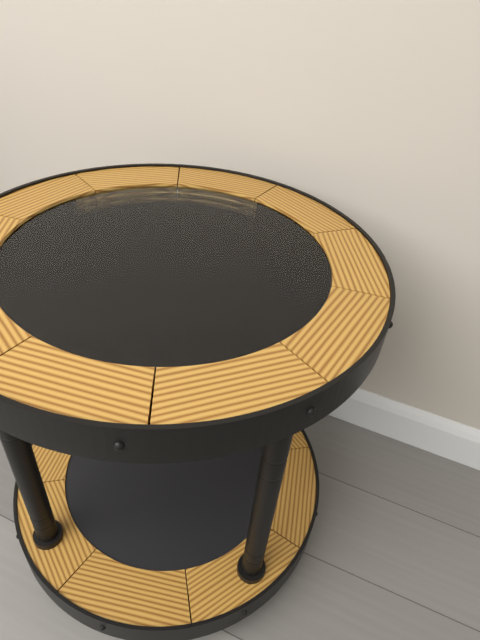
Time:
8:32
